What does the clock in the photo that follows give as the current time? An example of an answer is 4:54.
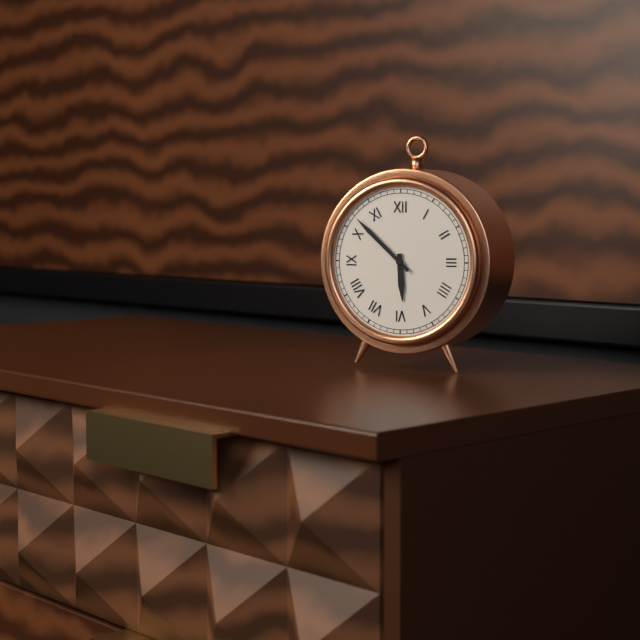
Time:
5:52
